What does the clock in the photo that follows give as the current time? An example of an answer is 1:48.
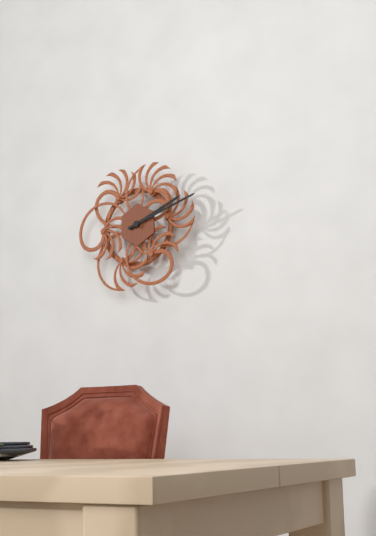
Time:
2:12
